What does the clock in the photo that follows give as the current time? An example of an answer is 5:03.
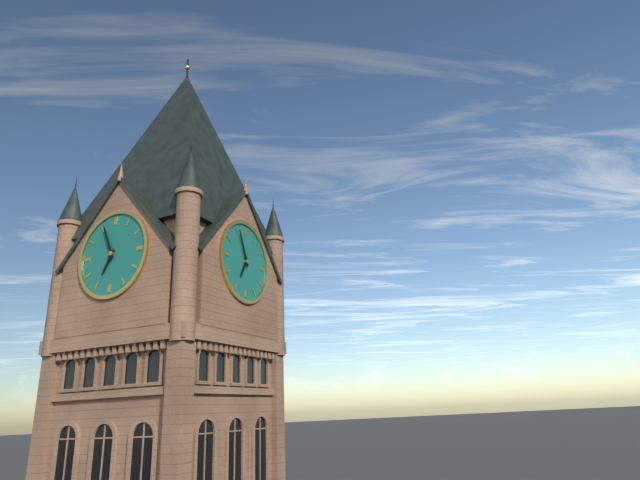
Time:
6:56
